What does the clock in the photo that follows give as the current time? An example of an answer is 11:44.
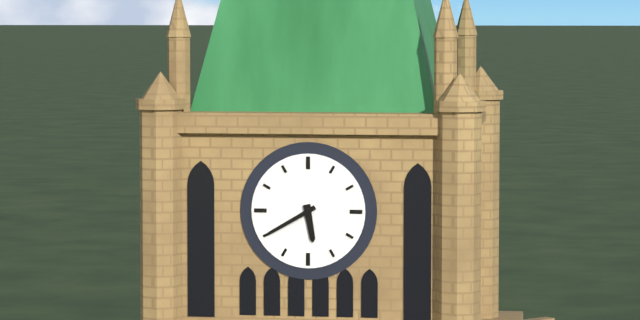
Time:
5:40
